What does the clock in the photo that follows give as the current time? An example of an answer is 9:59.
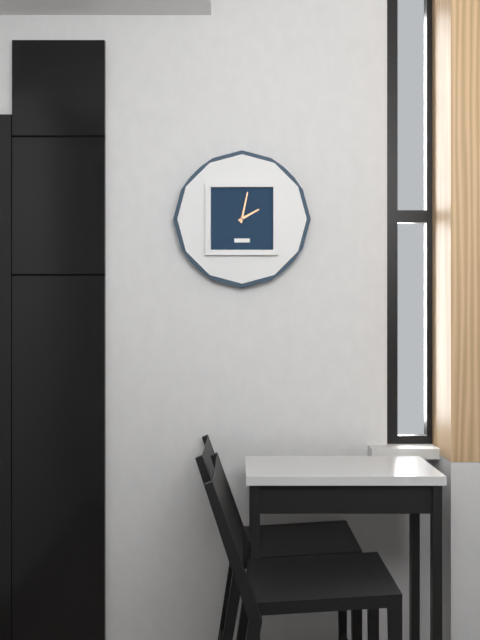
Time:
2:02
